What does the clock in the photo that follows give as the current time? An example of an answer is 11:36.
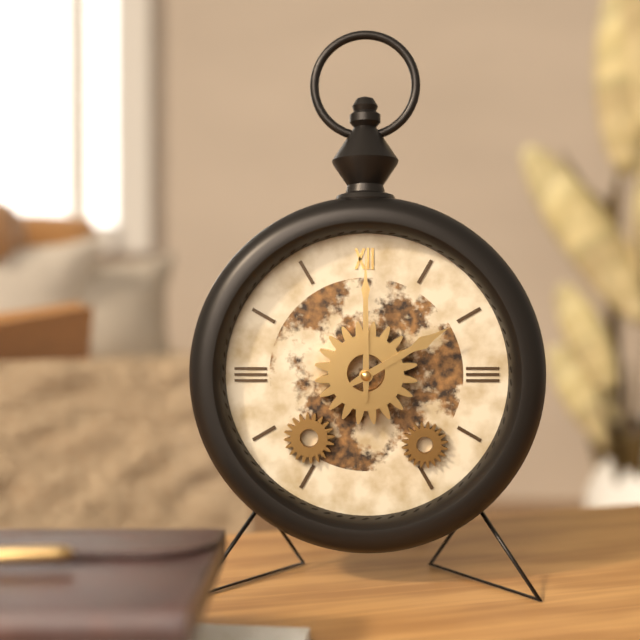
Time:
2:00
